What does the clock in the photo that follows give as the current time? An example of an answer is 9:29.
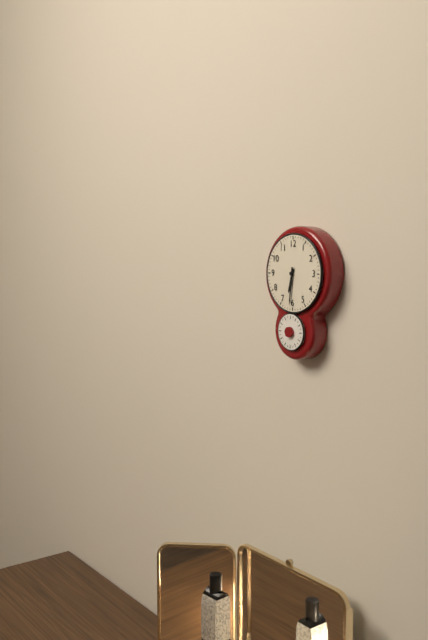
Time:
6:31
